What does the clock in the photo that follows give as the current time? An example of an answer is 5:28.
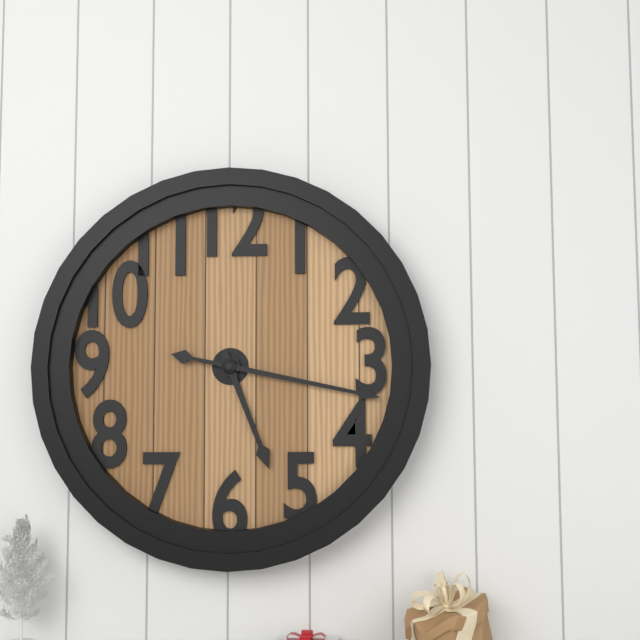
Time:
5:17
